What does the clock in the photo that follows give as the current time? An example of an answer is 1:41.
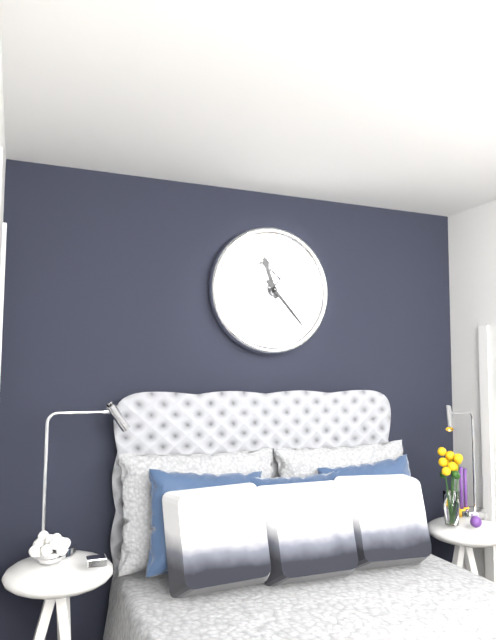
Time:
11:23
